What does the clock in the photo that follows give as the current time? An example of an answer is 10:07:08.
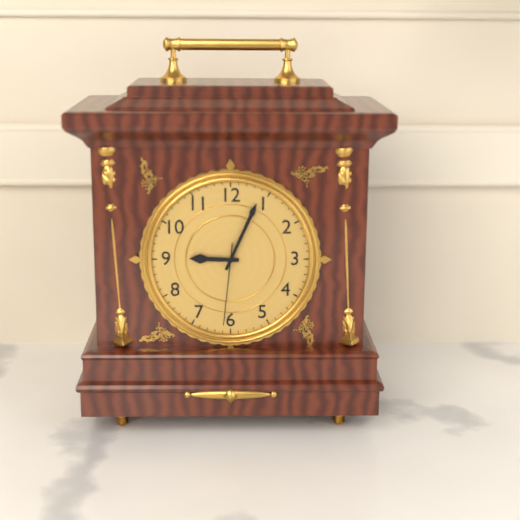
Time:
9:04:31
